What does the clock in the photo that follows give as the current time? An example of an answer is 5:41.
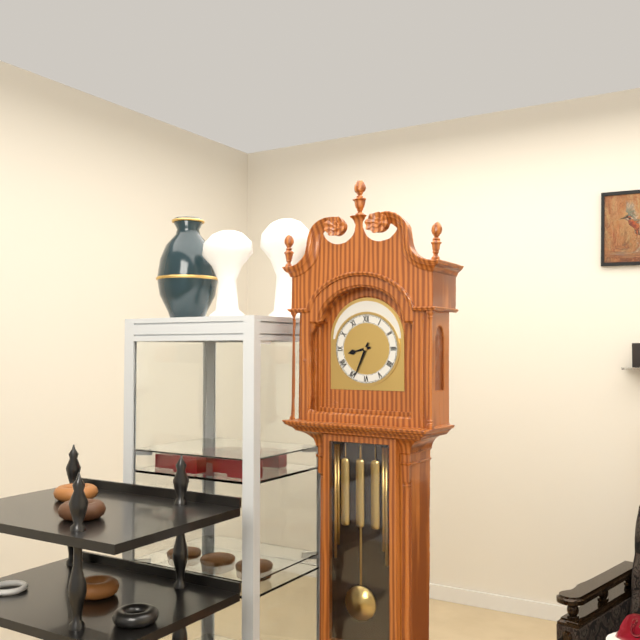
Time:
8:34
